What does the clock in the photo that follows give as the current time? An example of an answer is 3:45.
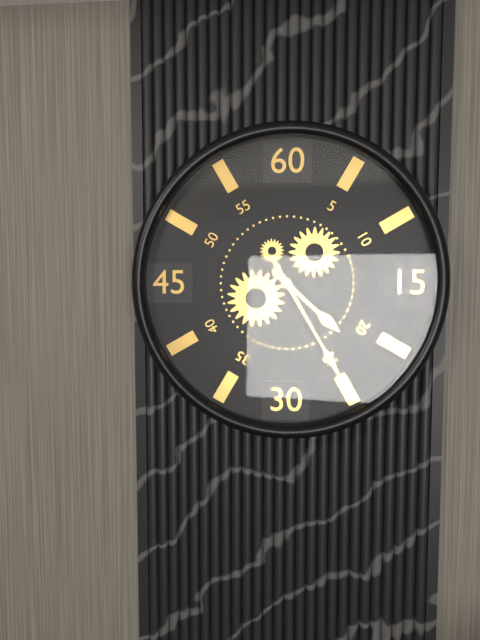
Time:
4:25
